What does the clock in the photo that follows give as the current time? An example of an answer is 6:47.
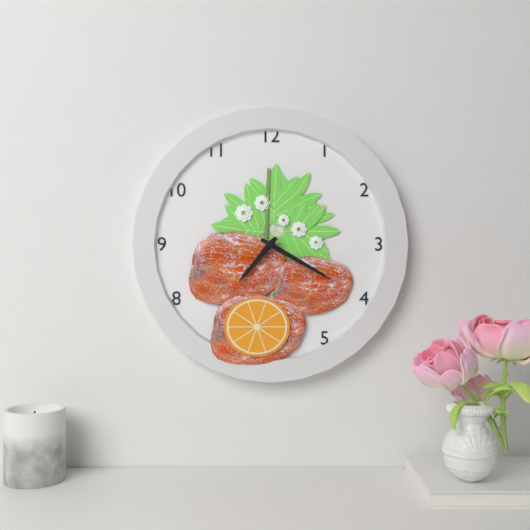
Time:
7:20
